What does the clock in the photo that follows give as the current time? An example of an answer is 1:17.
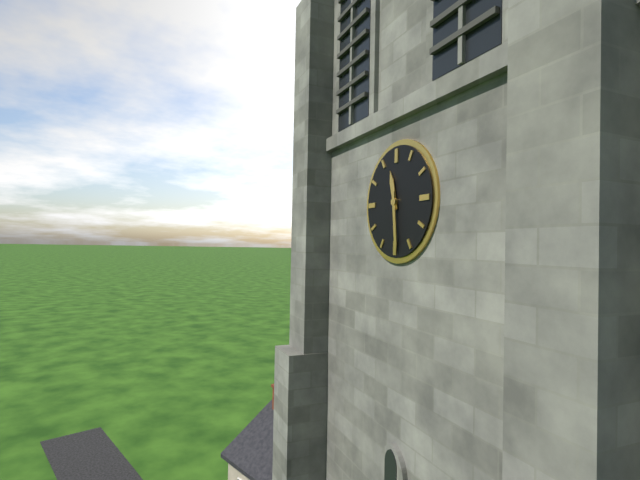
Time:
11:29
